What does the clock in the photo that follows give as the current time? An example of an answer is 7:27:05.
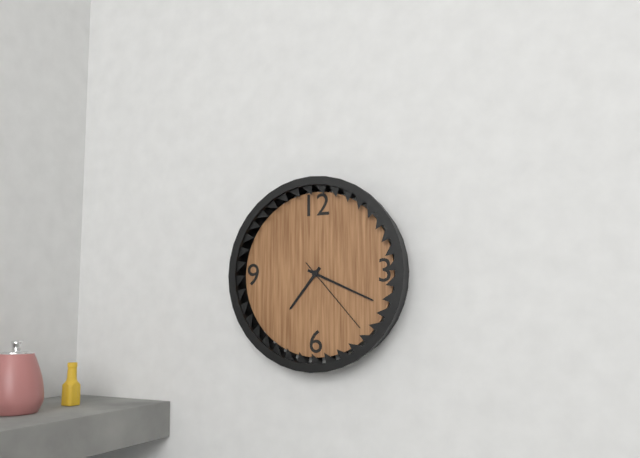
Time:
7:19:23
